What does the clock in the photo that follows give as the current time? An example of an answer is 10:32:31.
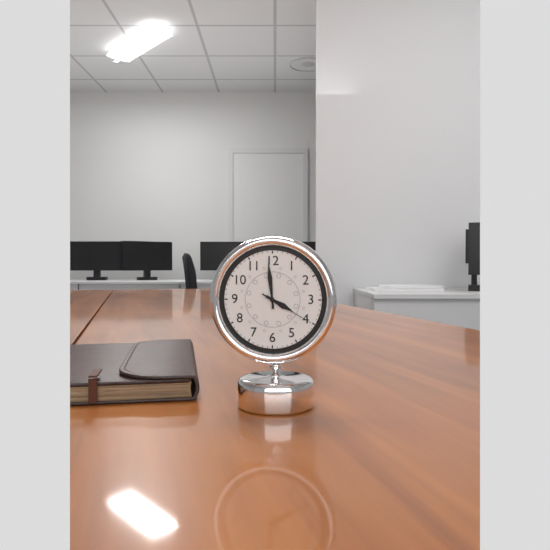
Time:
3:59:20
